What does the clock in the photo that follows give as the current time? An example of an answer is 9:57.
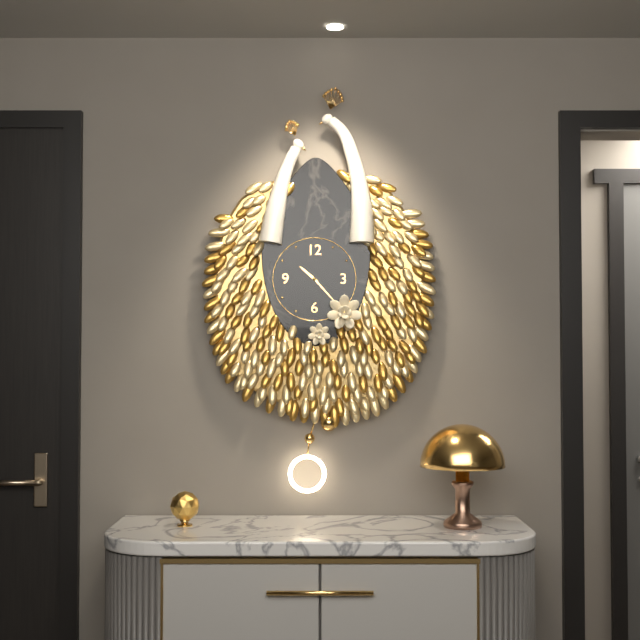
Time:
10:23
